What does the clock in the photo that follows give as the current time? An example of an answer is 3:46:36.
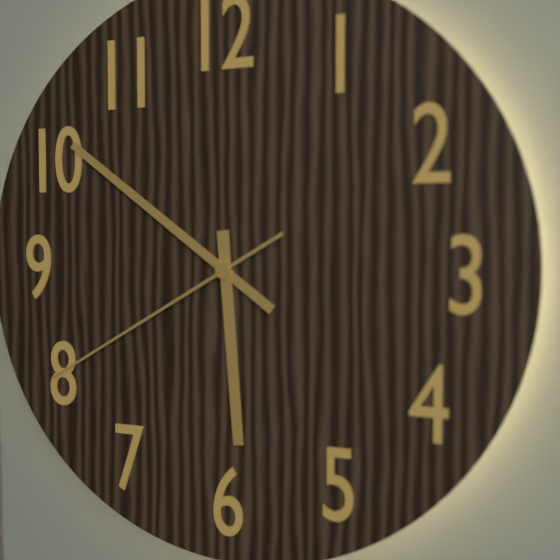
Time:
5:51:40
